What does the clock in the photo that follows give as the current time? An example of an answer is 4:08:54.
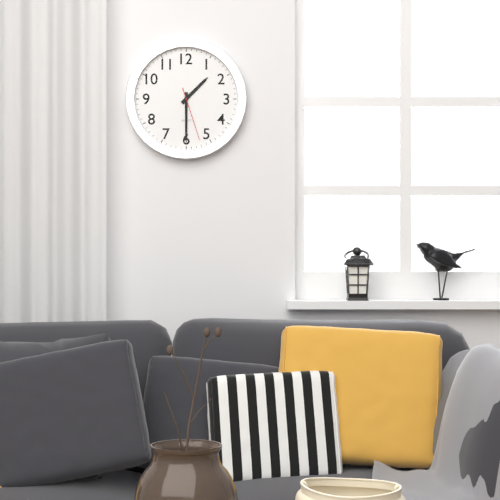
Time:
1:30:27
